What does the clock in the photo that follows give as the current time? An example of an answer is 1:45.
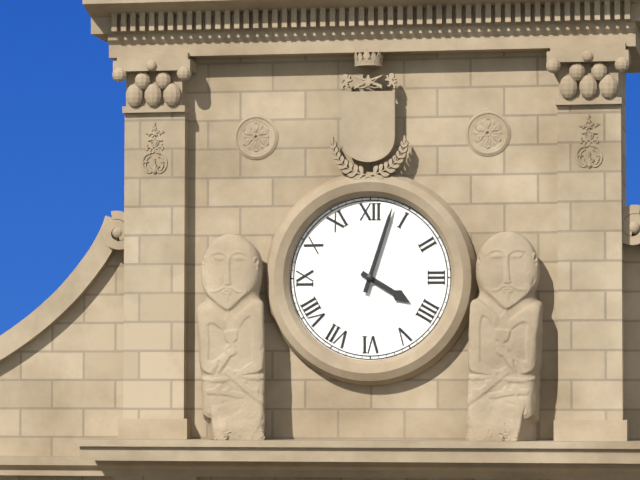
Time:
4:03
